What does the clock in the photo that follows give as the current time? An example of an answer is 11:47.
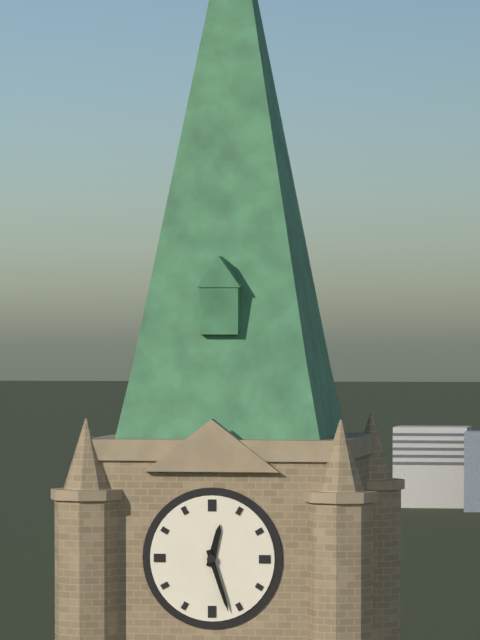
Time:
12:27
